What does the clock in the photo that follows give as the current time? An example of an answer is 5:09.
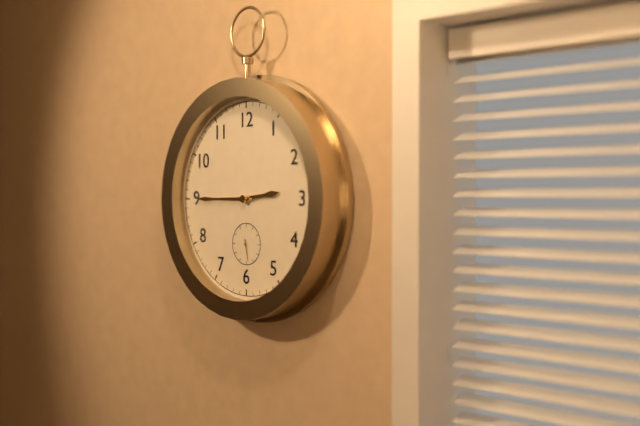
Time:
2:45
